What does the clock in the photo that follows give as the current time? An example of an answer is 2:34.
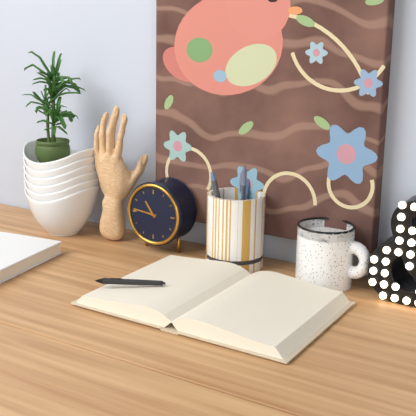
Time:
10:46
